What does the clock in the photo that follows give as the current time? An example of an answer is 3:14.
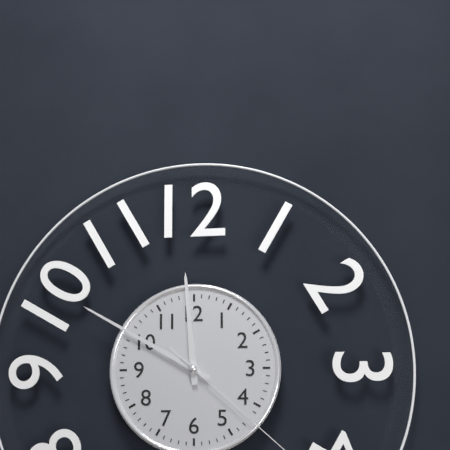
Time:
11:50
